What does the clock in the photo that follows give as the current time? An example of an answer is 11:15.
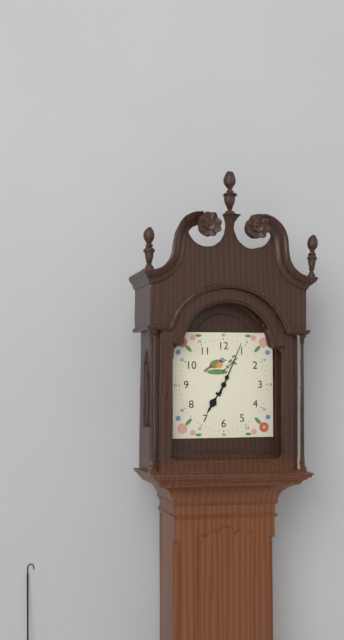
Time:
7:04
